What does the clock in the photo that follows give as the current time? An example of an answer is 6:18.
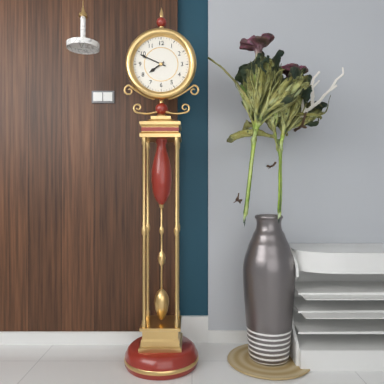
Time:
7:49
